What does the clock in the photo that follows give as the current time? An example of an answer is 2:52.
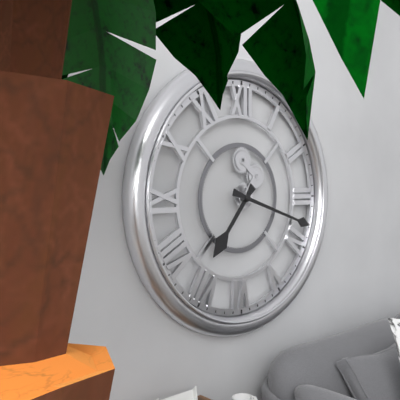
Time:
7:18
